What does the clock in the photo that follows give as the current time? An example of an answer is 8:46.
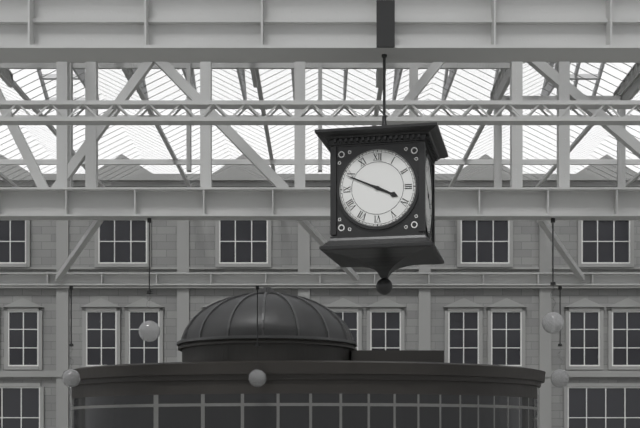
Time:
3:49
